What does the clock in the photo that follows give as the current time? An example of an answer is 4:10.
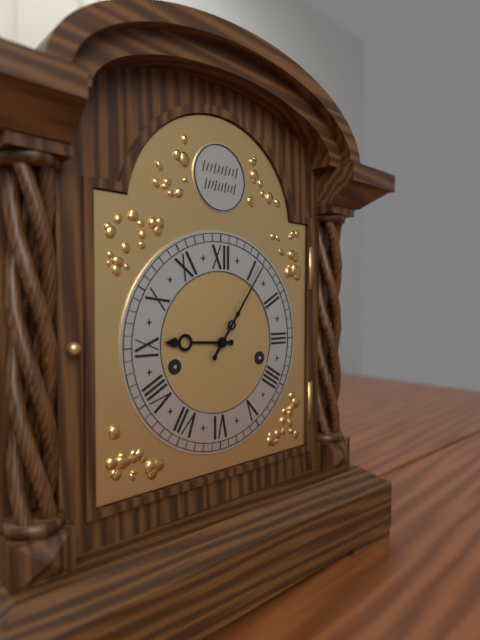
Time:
9:06
